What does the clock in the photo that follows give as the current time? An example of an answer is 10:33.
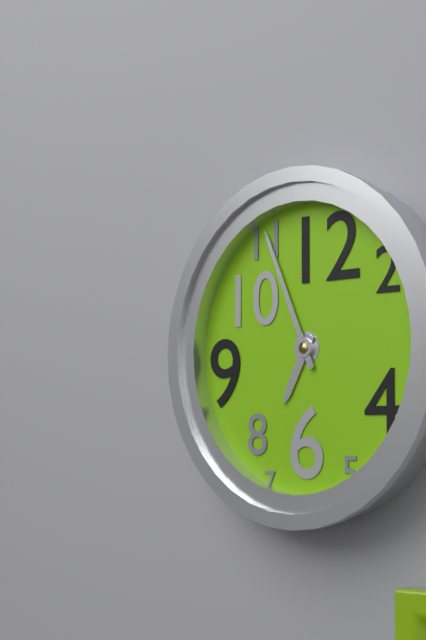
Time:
6:56
